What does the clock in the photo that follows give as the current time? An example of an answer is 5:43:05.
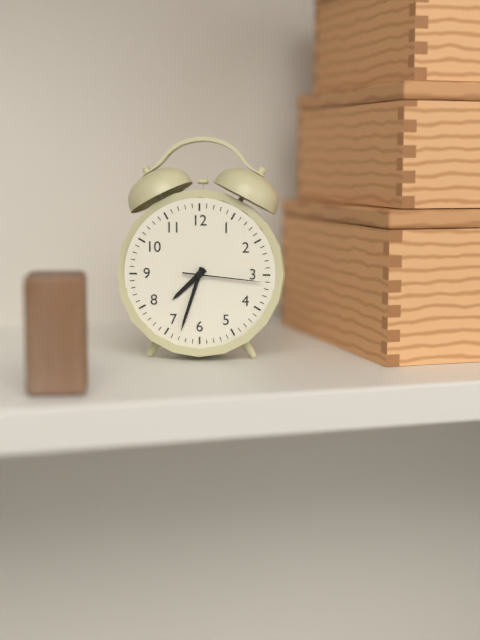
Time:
7:33:16
